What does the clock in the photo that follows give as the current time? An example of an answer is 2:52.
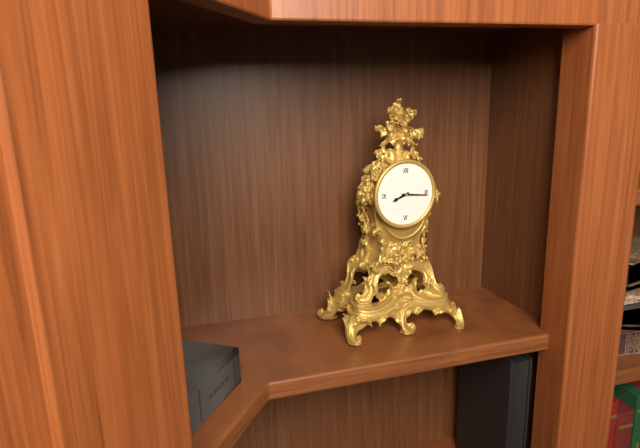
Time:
8:16
